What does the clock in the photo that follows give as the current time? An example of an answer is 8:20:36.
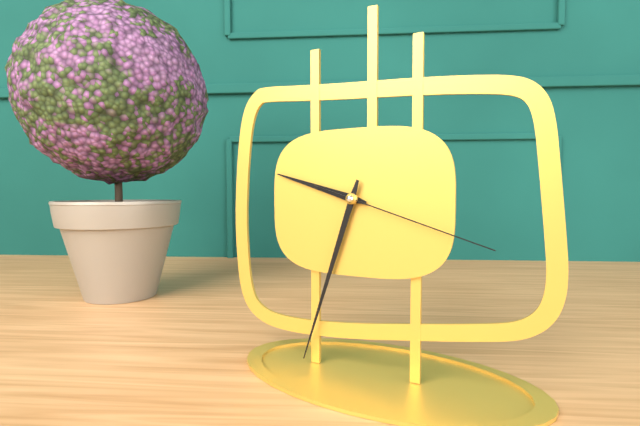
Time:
9:33:18
